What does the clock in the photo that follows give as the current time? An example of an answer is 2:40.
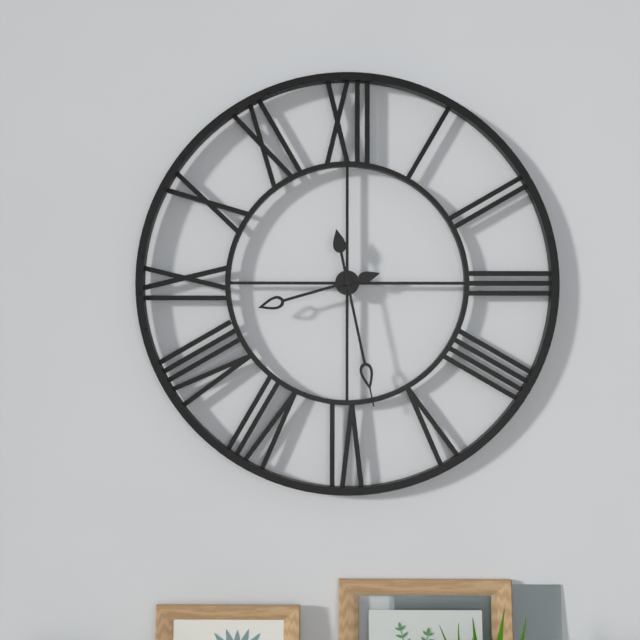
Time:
8:28
